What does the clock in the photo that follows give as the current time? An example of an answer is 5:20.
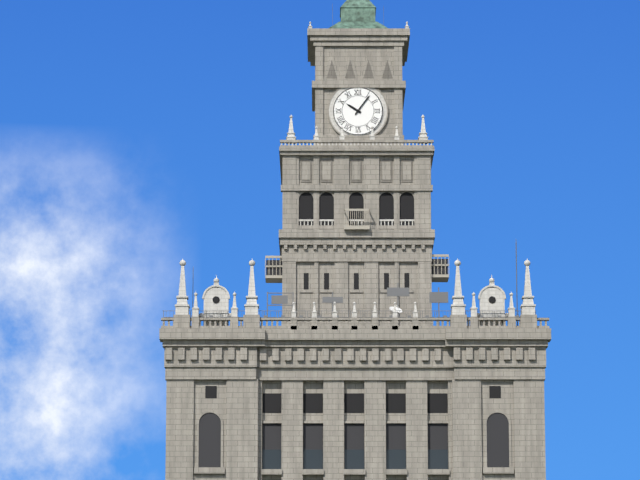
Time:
10:06
